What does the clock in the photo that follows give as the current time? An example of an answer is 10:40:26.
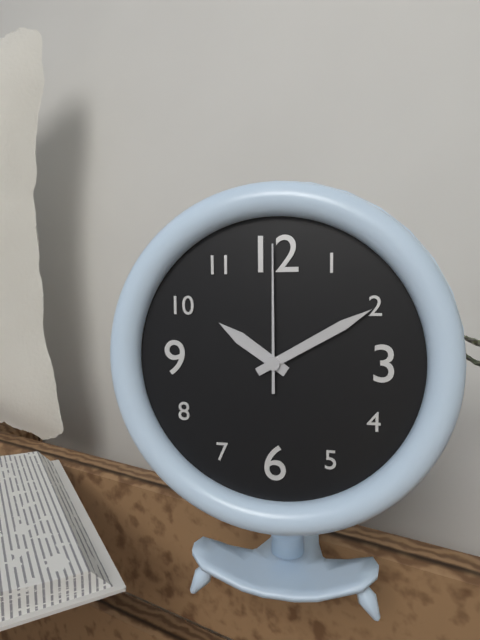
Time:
10:10:00
